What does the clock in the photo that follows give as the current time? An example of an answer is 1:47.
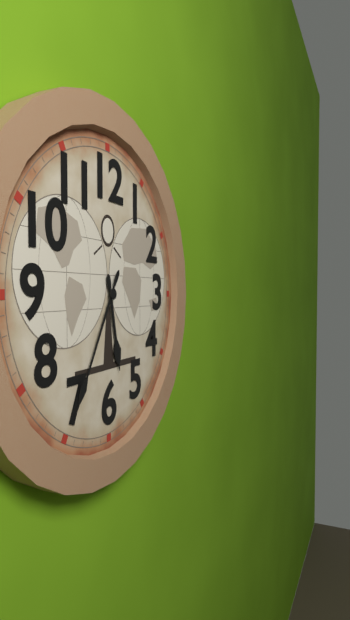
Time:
5:35
